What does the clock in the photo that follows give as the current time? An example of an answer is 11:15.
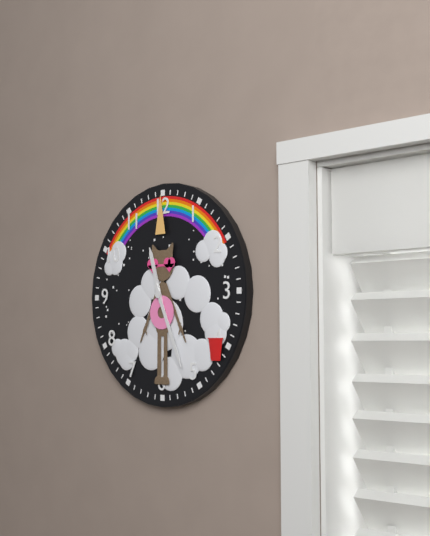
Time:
11:26
